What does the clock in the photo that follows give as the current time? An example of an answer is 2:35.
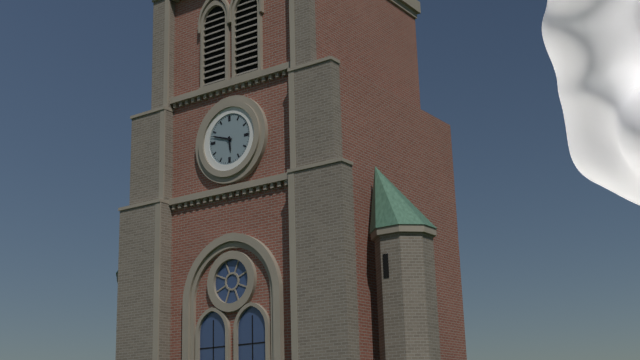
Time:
5:48
